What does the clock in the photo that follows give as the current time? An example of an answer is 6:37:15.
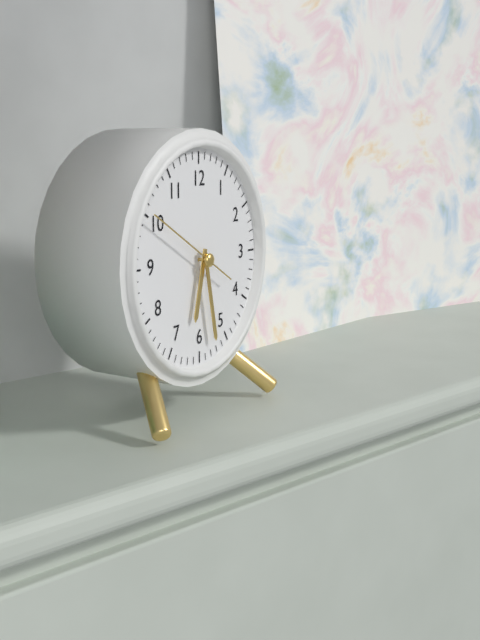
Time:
6:28:50
